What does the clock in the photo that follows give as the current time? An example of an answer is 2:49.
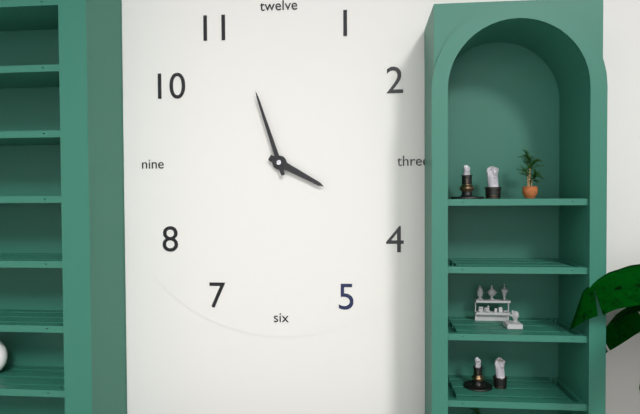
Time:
3:57
